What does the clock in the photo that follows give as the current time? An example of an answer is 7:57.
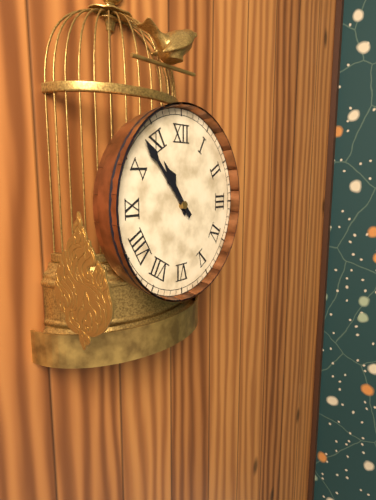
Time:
10:53
